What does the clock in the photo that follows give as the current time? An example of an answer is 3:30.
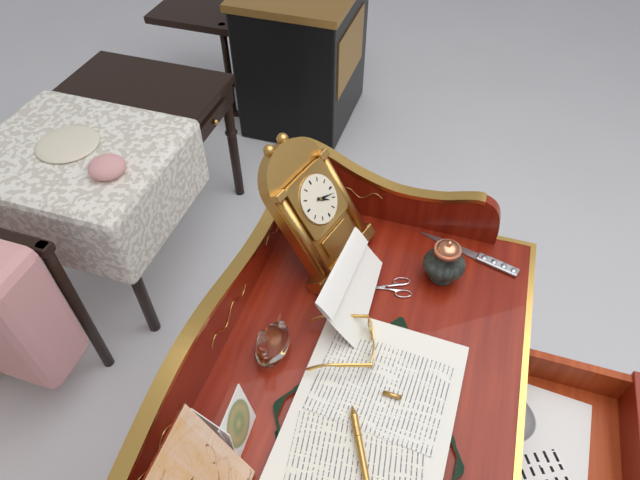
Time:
4:18
